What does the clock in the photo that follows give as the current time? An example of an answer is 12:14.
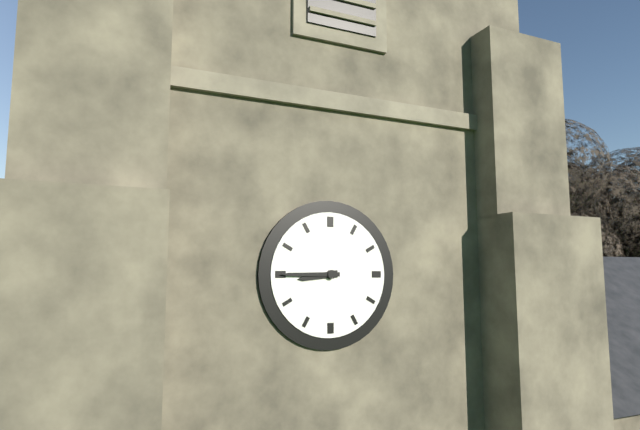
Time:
8:45
